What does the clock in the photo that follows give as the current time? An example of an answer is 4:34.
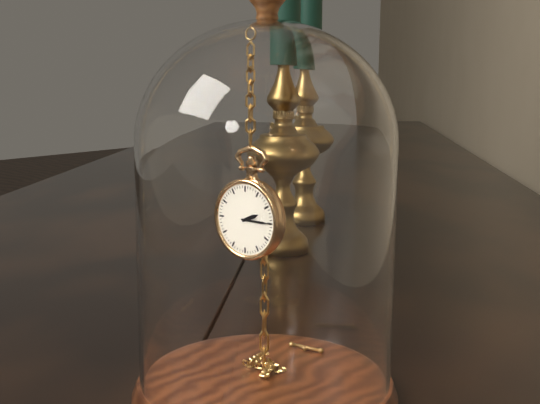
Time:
2:15
